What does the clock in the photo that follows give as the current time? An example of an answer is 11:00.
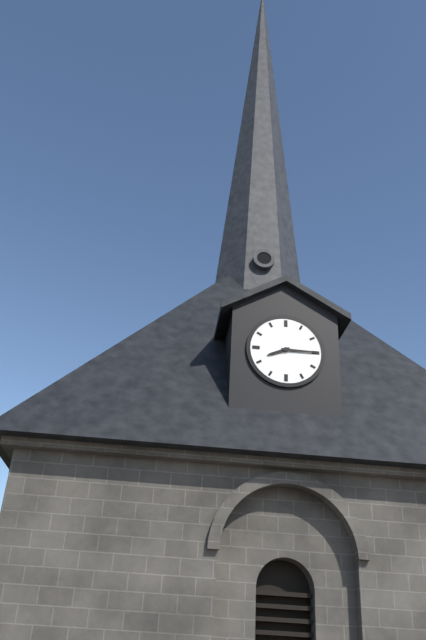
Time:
8:15
